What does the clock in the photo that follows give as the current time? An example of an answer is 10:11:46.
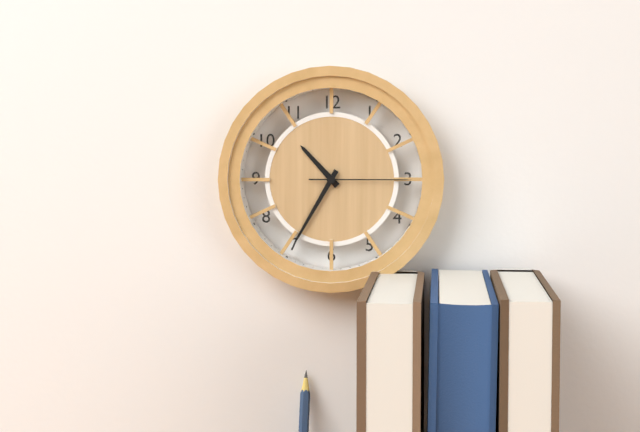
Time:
10:35:15
